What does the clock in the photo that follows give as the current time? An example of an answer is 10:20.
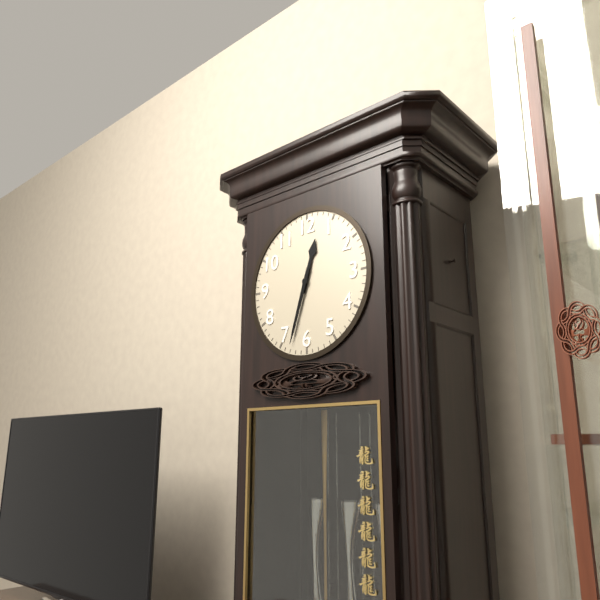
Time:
12:33
